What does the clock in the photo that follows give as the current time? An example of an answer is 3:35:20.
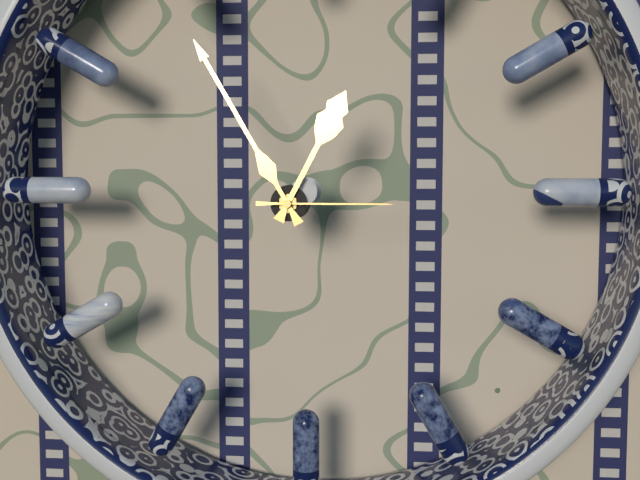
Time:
12:55:15
